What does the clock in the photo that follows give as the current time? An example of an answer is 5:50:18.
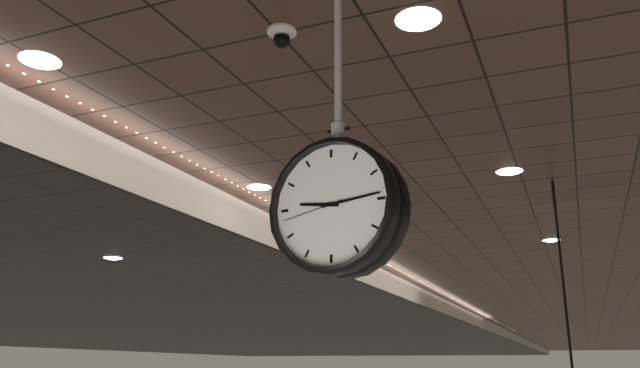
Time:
9:14:43
